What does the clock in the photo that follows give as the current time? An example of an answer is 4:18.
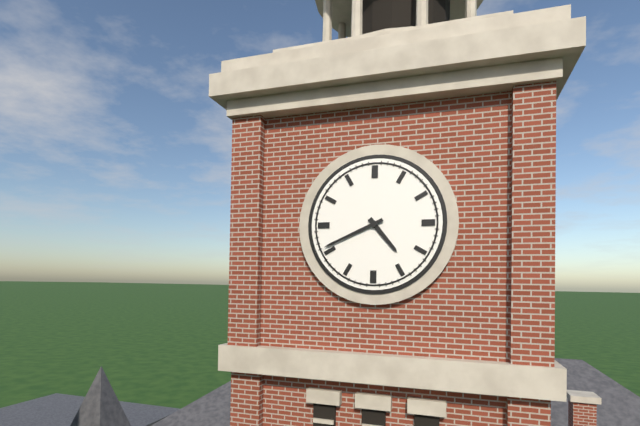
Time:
4:41
